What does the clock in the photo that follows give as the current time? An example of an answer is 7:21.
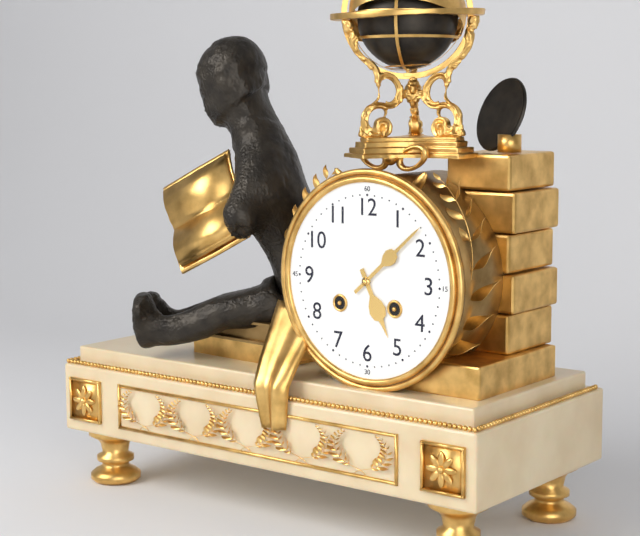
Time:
5:08
